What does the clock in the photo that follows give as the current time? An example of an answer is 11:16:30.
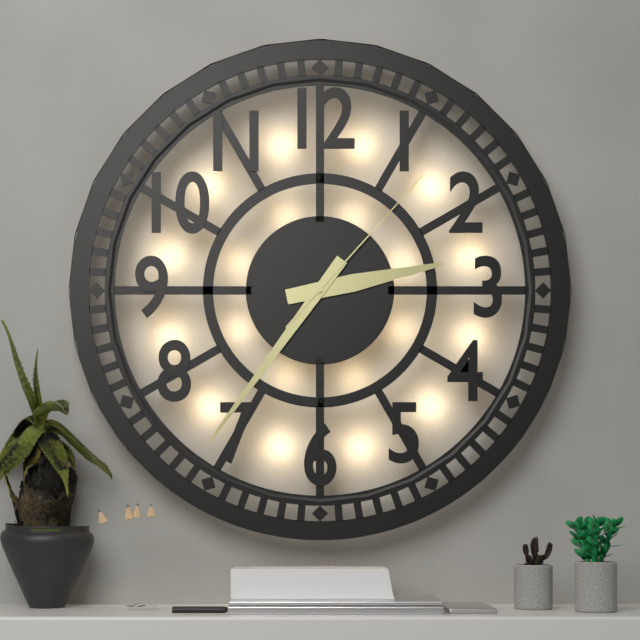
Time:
2:36:07
